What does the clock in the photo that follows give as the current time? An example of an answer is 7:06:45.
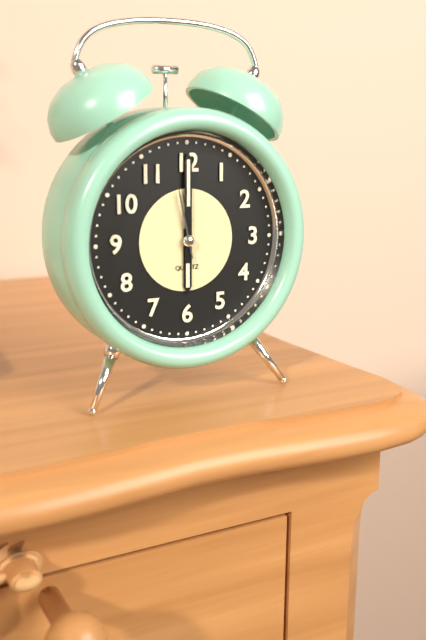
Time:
6:00:58
